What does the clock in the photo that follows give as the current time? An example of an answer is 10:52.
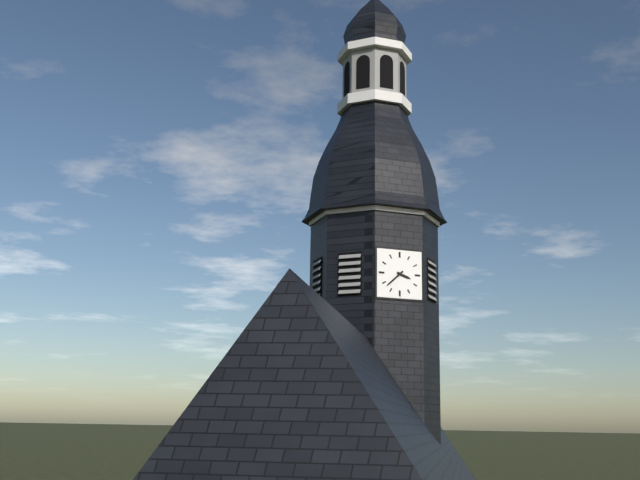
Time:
3:38
